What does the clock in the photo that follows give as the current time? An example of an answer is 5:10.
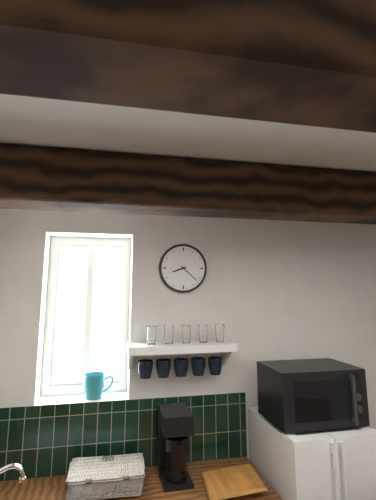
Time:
8:22
